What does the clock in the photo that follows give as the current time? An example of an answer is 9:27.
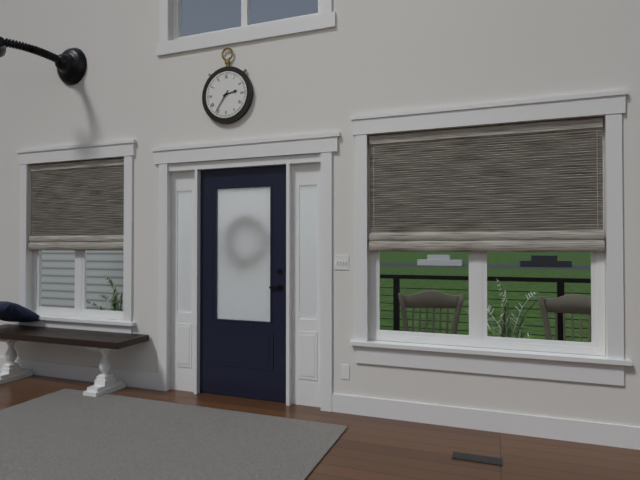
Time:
2:36
